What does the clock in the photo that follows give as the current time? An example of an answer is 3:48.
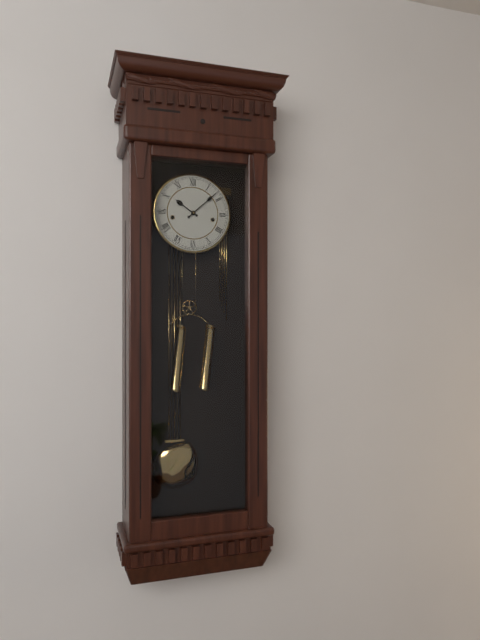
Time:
10:08
